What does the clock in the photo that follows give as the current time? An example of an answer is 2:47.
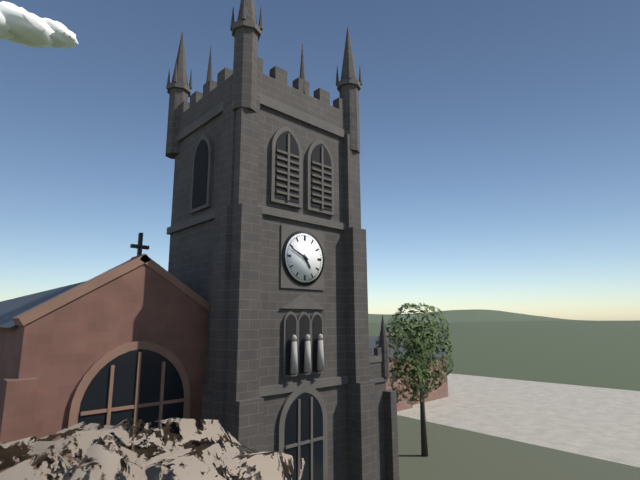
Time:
4:49
